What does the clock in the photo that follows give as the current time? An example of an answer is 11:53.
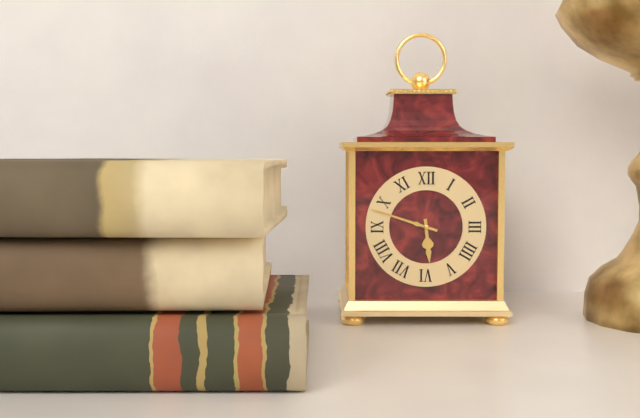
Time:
5:48
